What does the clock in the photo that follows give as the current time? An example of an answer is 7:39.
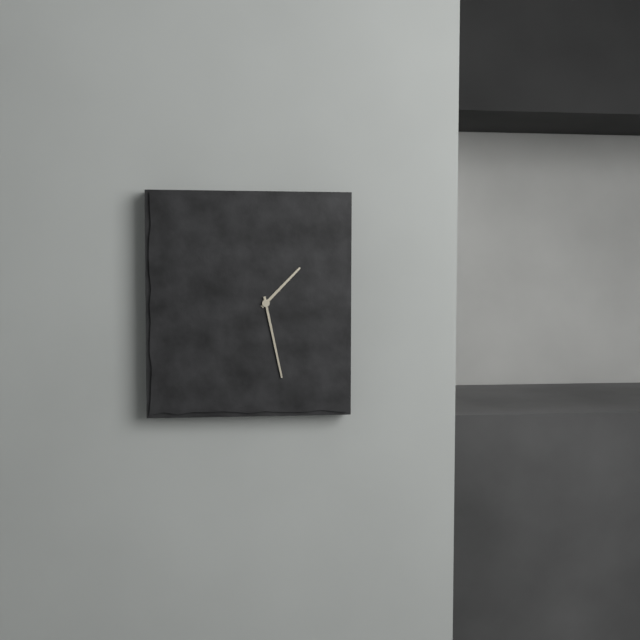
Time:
1:28
